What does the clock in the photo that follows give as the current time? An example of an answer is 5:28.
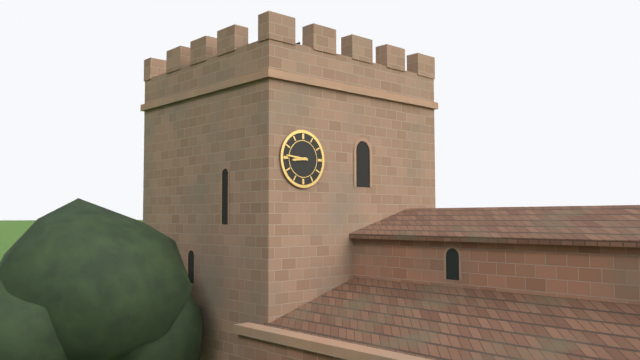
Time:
8:46
